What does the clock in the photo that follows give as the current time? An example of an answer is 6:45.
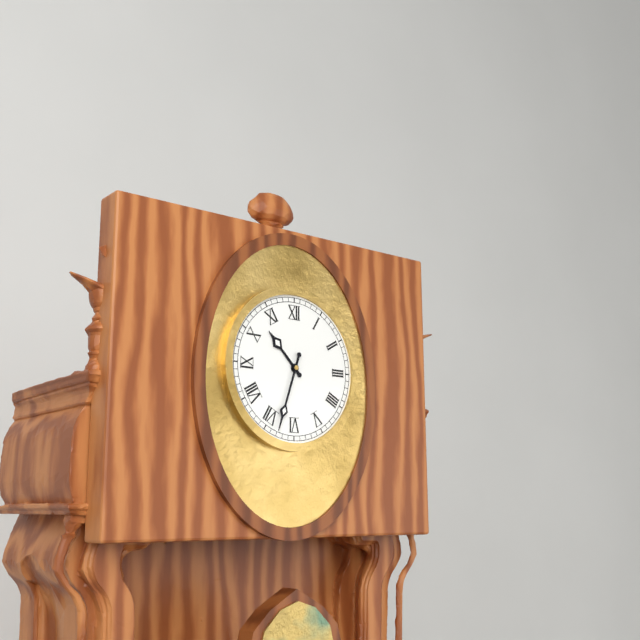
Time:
10:33
